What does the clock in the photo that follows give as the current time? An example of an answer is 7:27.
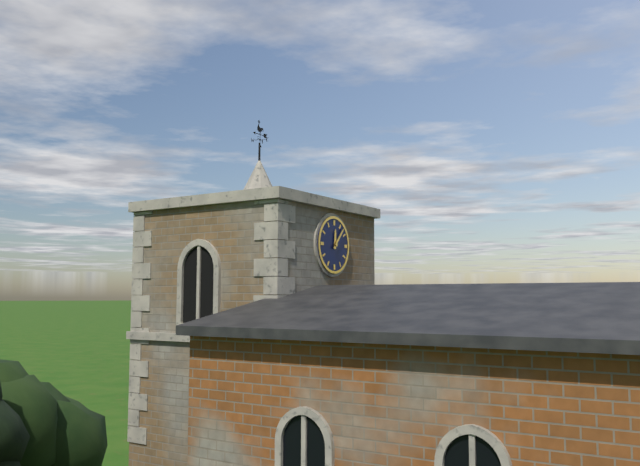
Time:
12:07
